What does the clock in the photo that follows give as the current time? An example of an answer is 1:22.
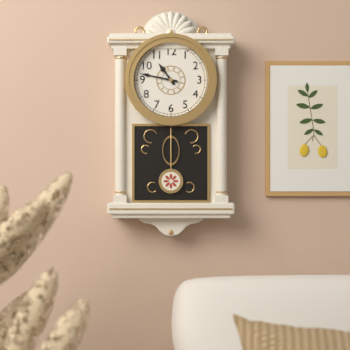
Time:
10:47
